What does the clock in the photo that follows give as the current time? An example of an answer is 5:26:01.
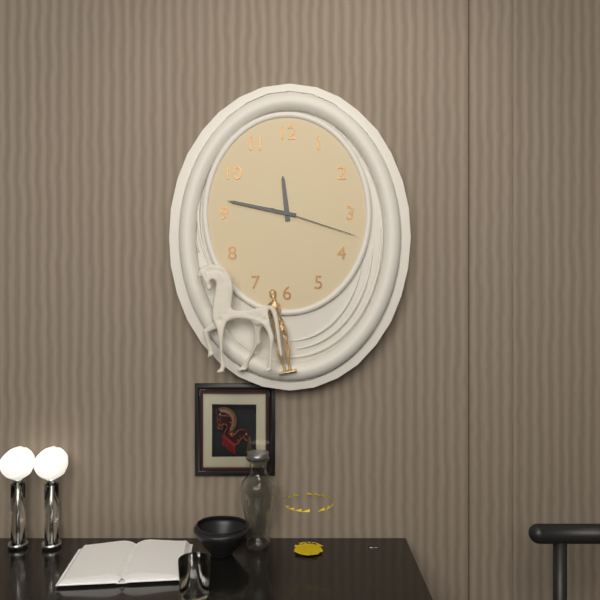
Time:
11:47:18
